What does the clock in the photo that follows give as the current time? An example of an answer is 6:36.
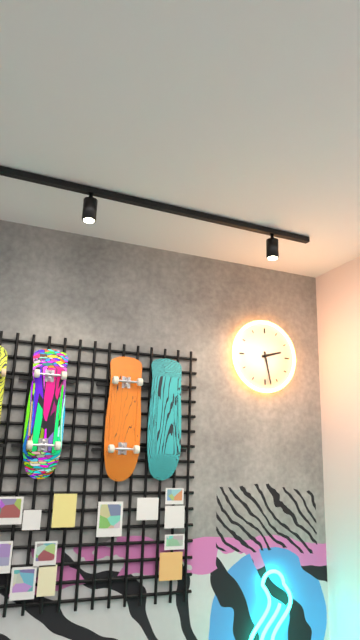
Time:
2:28
